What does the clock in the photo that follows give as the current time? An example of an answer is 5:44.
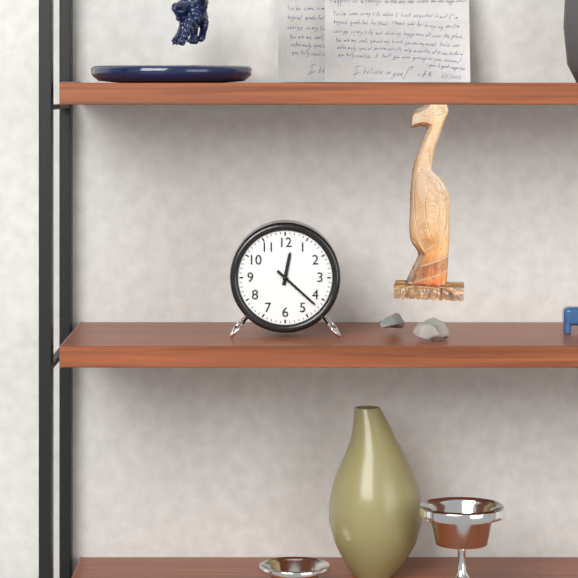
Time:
12:22
